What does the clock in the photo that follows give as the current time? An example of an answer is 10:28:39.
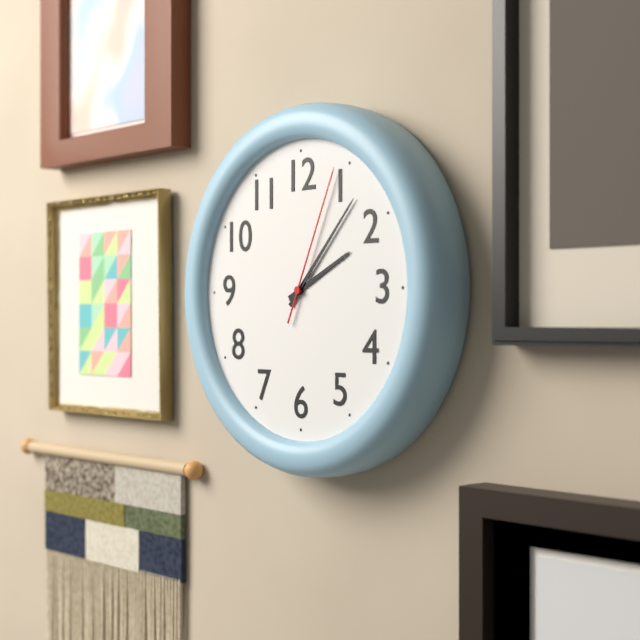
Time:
2:07:04
